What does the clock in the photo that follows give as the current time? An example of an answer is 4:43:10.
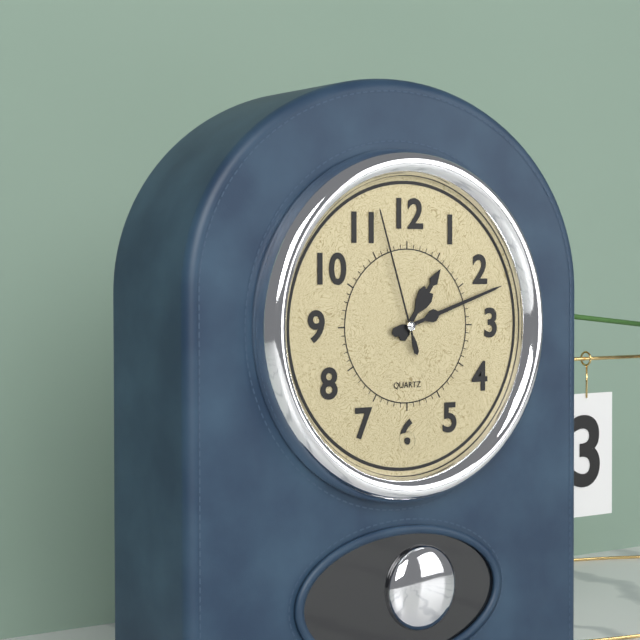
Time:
1:12:57
